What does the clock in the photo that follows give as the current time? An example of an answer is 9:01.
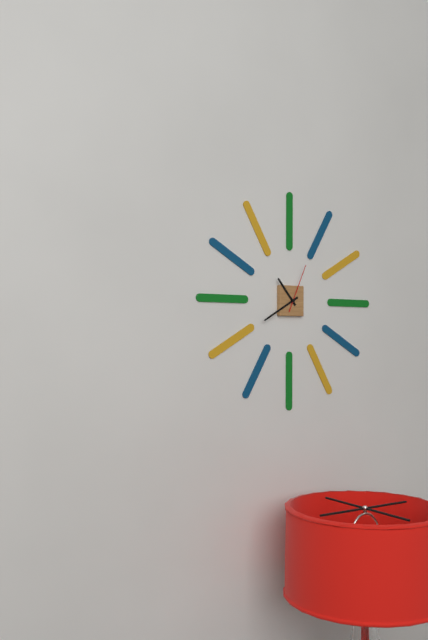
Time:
10:40
